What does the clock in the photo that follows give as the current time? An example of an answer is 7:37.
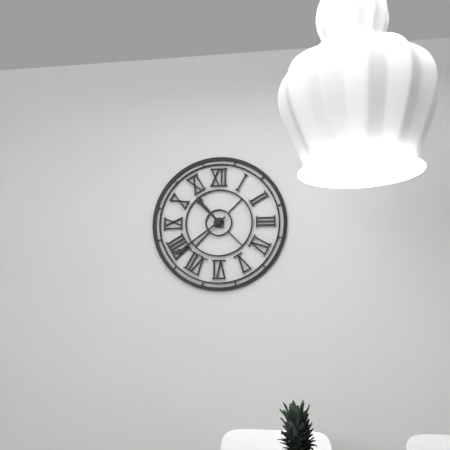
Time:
10:39
